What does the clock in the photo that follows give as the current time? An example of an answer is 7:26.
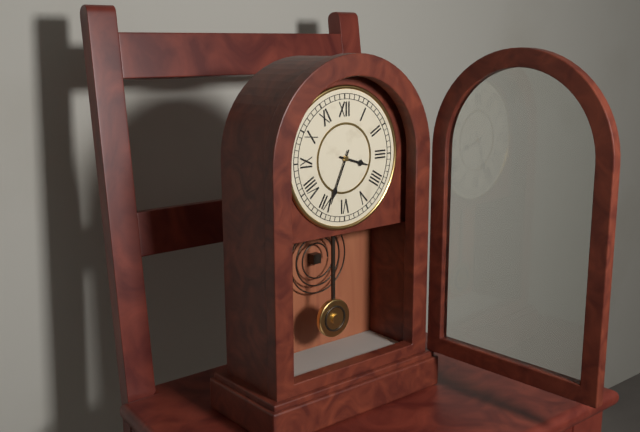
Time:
3:34
